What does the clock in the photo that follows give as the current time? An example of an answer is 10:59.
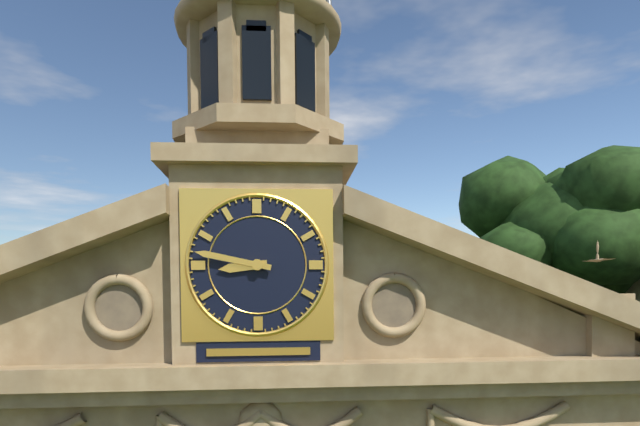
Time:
8:47
